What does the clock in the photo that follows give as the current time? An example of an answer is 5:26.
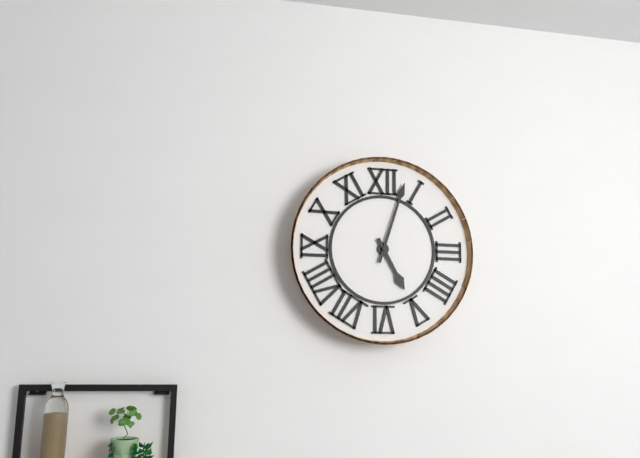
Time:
5:03
